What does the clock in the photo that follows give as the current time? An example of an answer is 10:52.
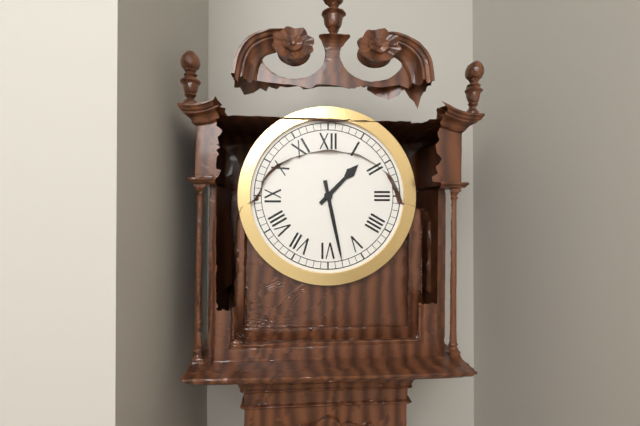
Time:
1:28
